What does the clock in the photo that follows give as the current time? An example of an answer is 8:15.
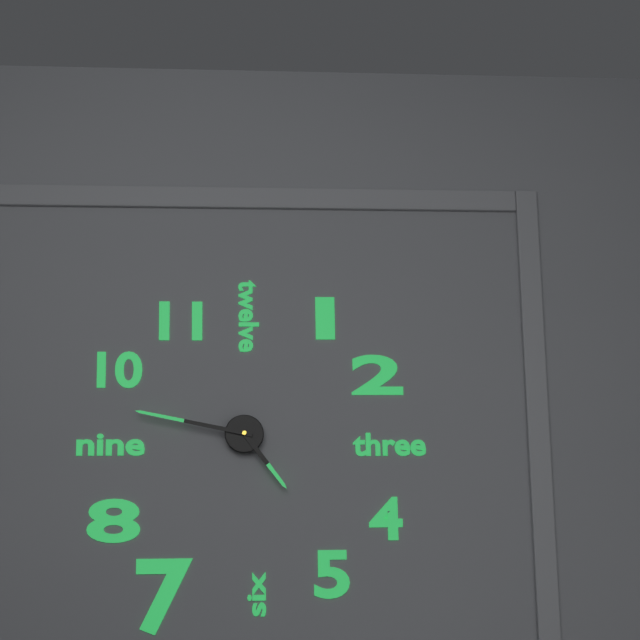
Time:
4:47
